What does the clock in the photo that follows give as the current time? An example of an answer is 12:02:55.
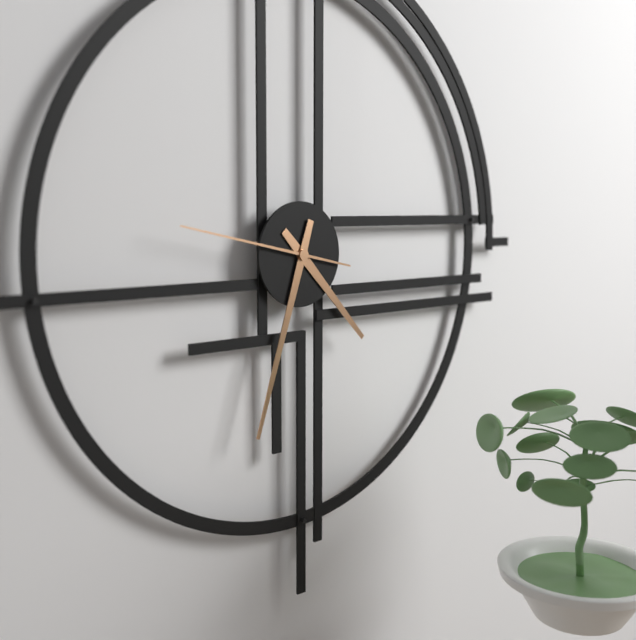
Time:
4:33:47
